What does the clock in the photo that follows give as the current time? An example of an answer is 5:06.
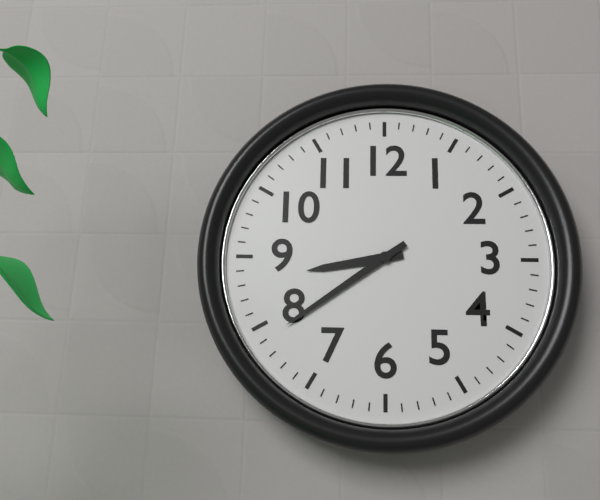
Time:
8:39
